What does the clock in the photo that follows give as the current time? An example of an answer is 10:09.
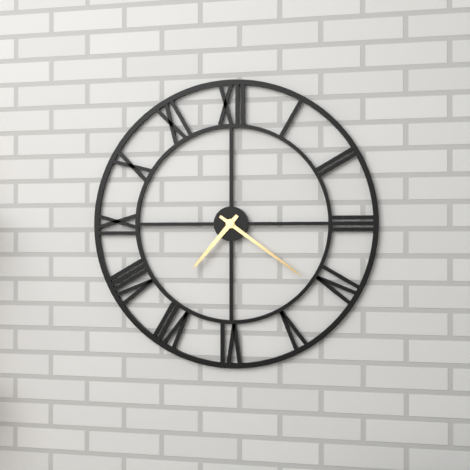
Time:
7:21
